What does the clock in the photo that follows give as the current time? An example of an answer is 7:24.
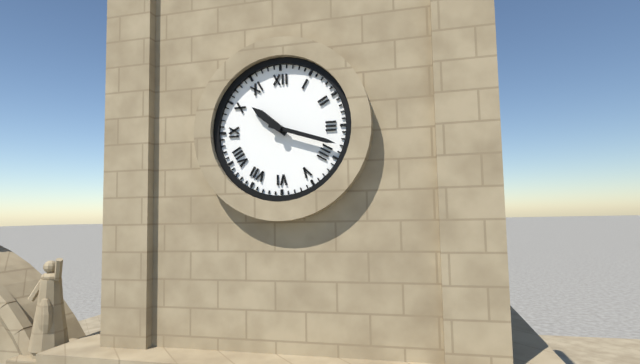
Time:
10:18
